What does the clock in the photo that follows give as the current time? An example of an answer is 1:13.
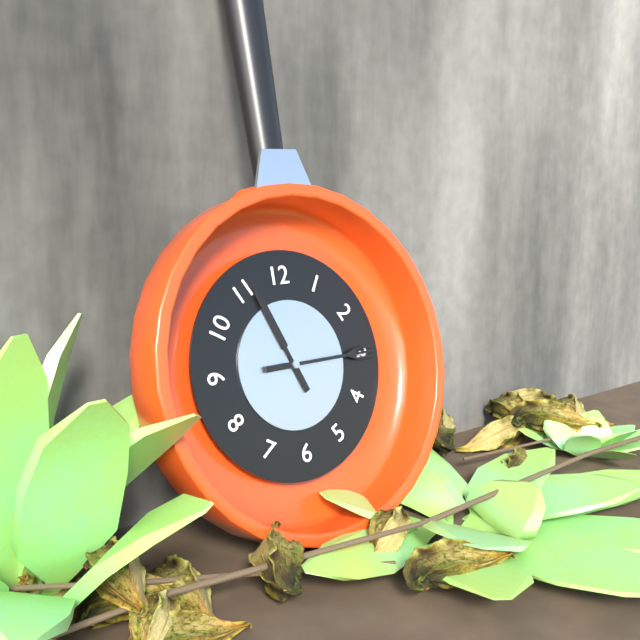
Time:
11:15
